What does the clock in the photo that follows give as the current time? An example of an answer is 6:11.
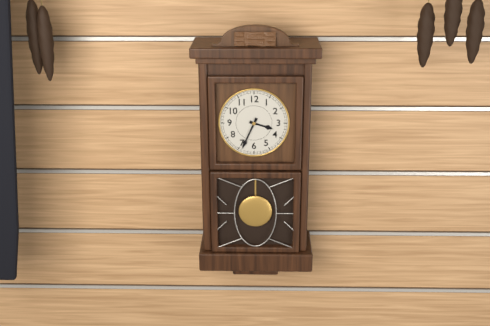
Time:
3:34
